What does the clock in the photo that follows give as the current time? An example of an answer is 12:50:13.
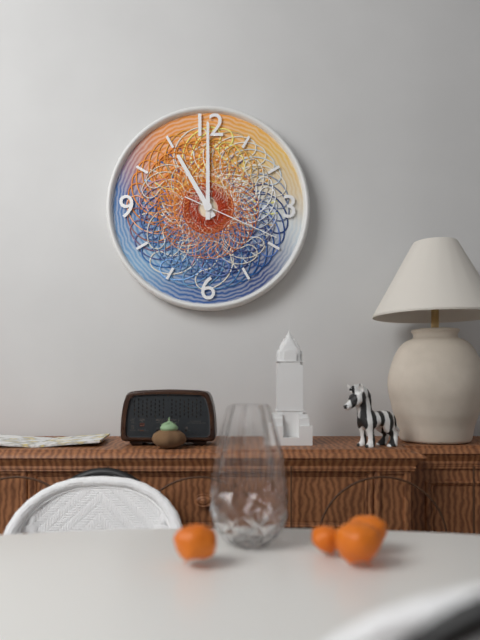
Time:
11:00:19
